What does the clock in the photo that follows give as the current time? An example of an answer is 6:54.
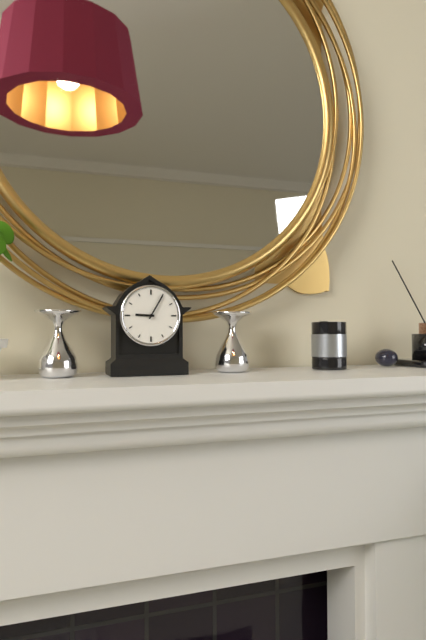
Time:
9:05
